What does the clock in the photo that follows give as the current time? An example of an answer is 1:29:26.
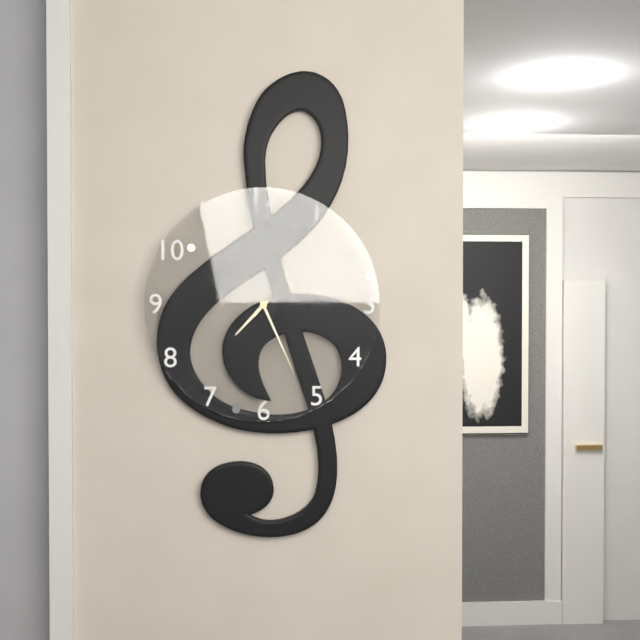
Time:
7:26:06
